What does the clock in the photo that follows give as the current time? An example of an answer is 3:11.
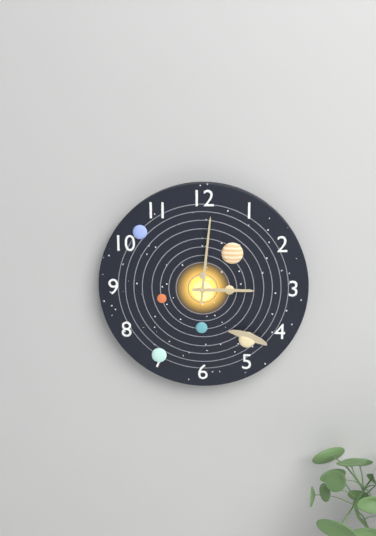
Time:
3:01
